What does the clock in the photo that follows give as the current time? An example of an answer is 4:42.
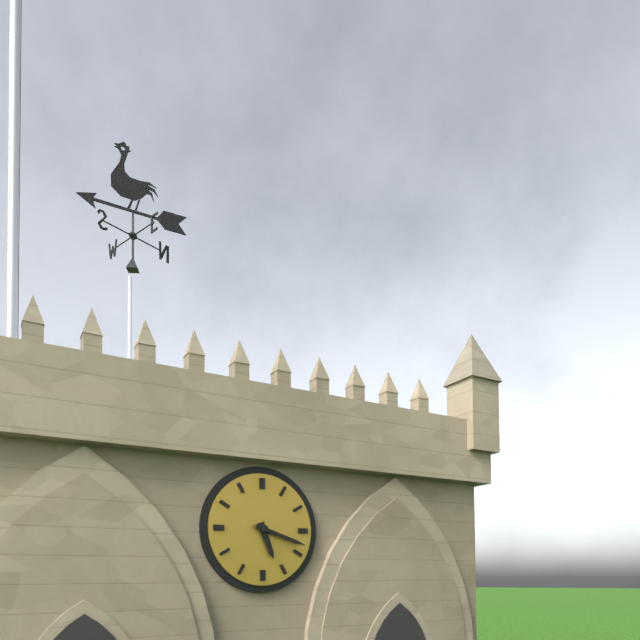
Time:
5:18
